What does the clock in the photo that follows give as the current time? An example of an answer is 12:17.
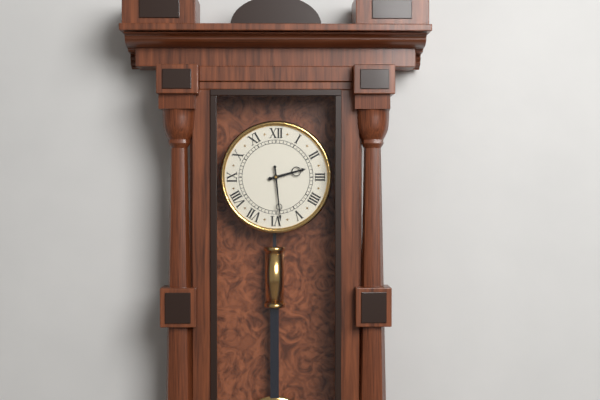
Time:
2:29
